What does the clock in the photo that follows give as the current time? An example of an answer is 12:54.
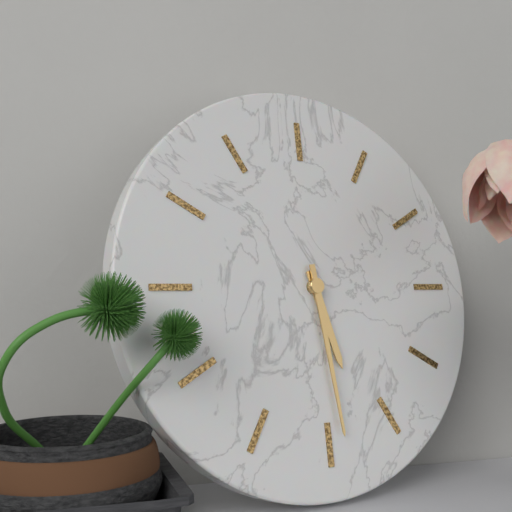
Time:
5:29
